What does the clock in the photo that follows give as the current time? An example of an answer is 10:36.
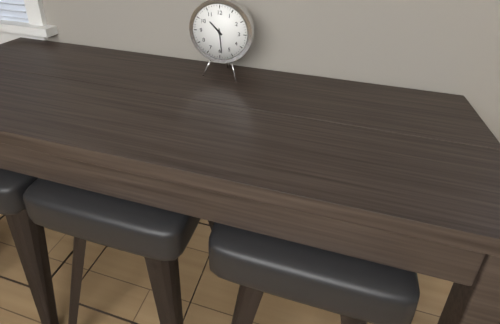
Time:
10:29
